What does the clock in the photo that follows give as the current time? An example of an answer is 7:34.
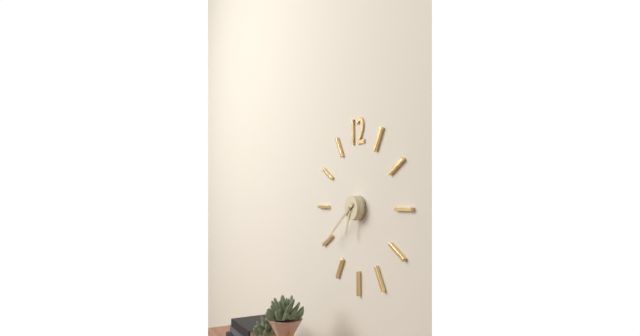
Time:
6:39
